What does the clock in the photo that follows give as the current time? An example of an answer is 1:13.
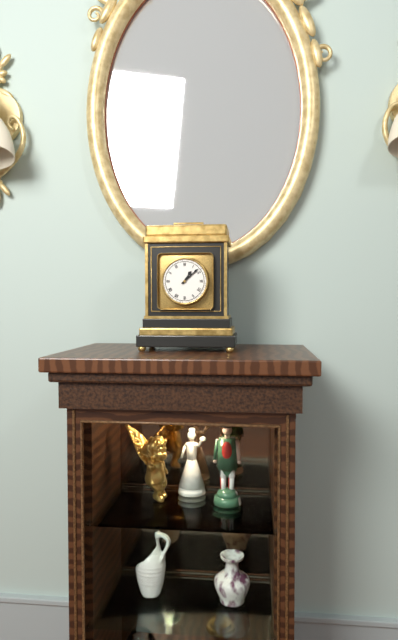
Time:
1:08
